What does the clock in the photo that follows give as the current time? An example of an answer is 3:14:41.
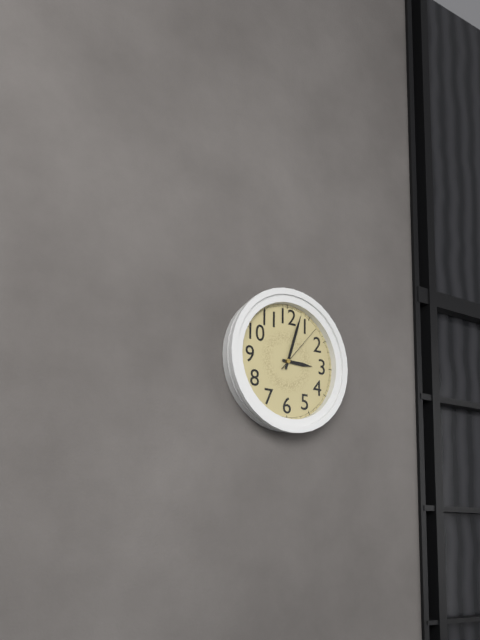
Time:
3:03:07
